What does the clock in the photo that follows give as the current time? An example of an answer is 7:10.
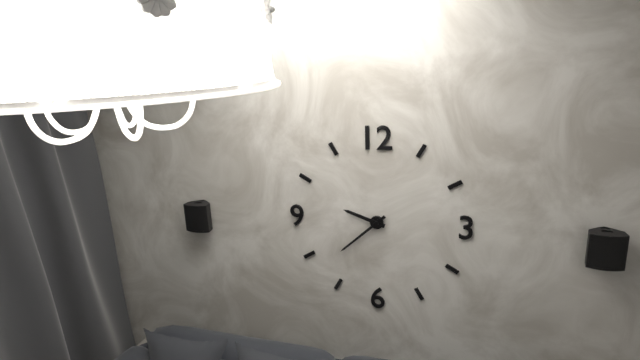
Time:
9:38
